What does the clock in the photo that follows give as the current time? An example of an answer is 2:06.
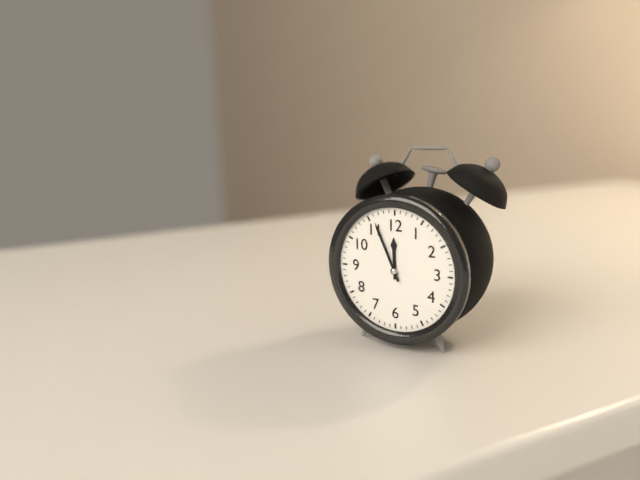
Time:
11:56
